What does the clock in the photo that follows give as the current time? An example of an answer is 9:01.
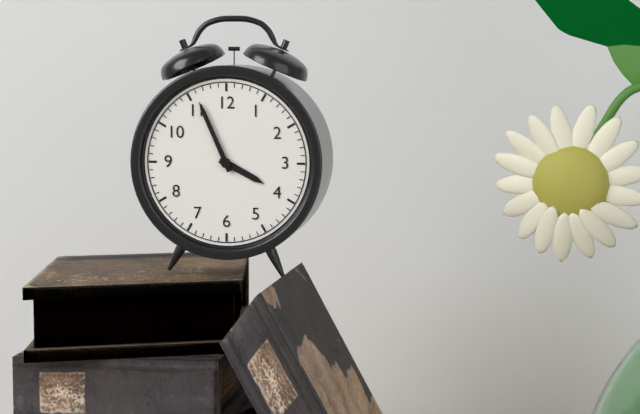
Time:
3:56
